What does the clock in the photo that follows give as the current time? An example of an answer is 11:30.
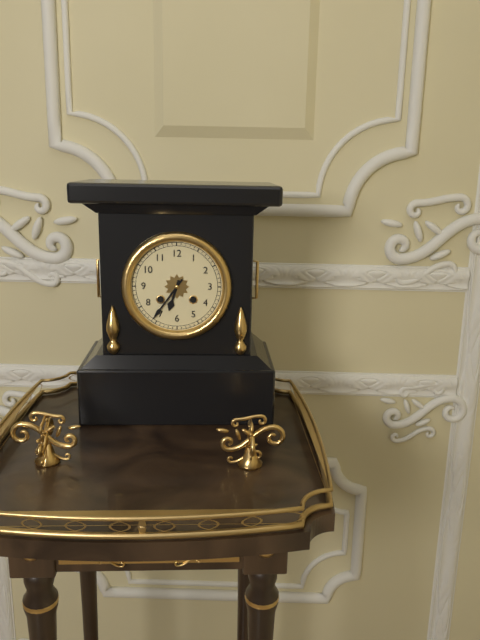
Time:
6:36
